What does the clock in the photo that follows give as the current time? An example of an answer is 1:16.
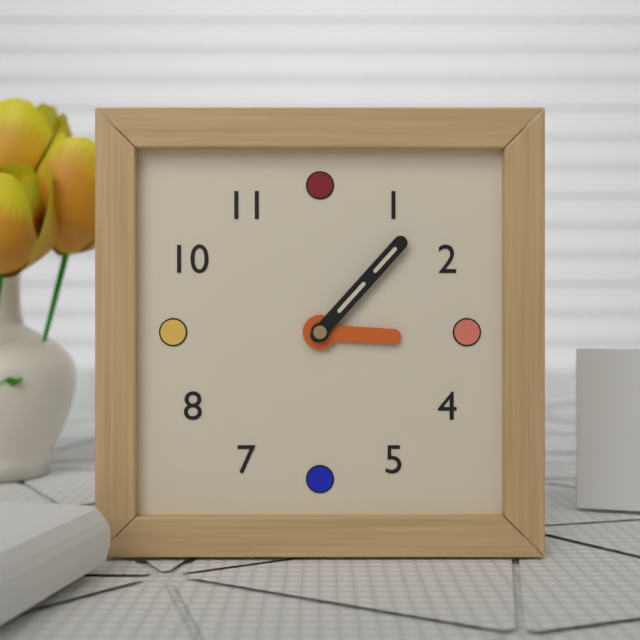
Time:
3:07
